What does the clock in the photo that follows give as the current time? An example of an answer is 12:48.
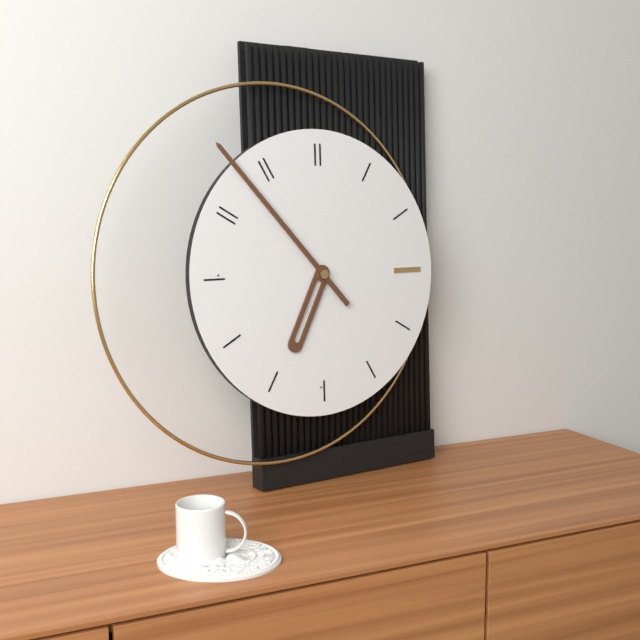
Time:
6:53
